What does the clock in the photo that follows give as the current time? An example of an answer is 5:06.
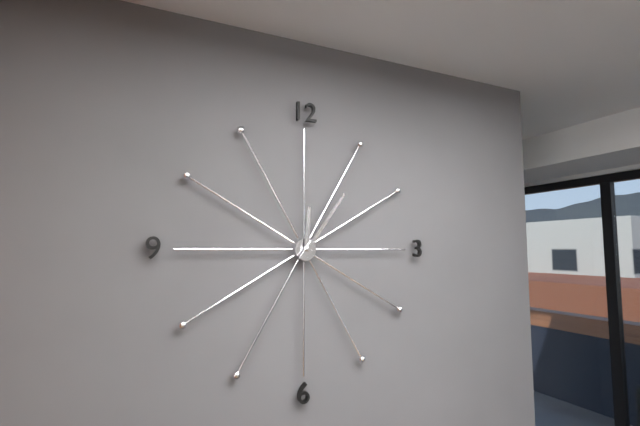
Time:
12:06
